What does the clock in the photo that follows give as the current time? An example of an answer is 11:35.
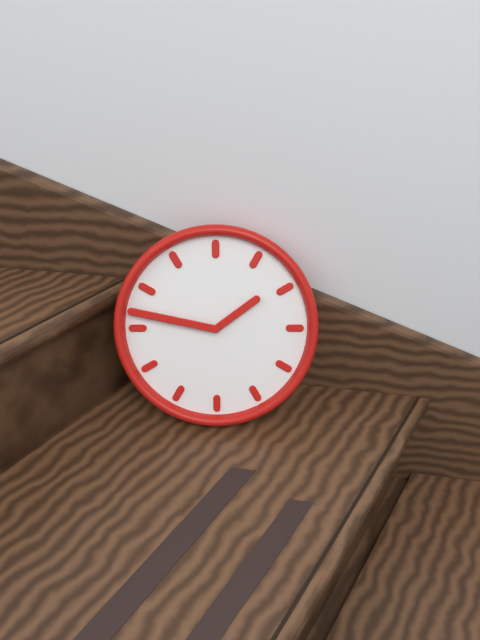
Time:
1:47
